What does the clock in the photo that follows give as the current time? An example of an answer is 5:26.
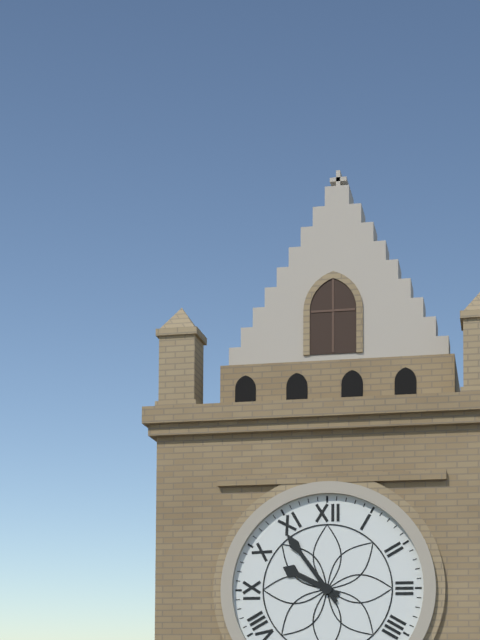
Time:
9:54
